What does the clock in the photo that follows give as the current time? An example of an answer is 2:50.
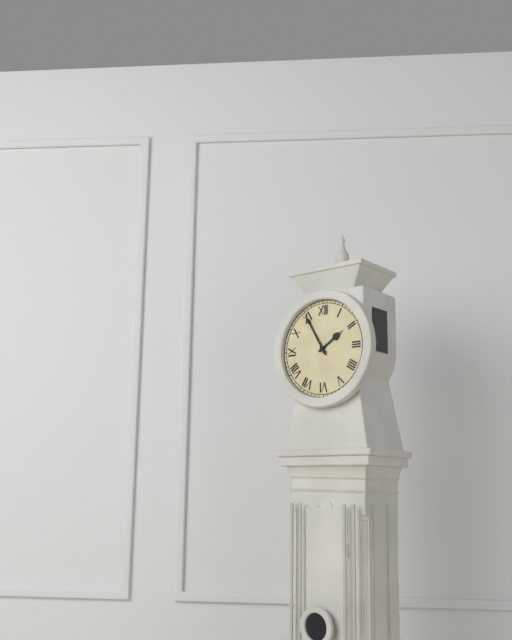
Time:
1:55
